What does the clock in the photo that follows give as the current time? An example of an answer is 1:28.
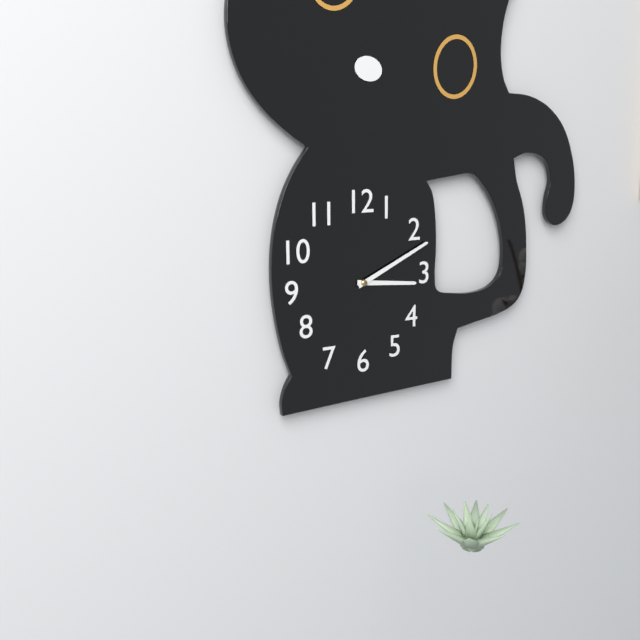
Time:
3:11
